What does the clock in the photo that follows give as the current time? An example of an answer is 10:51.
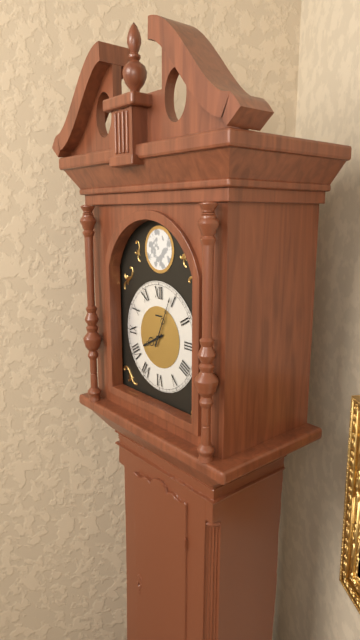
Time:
8:04
